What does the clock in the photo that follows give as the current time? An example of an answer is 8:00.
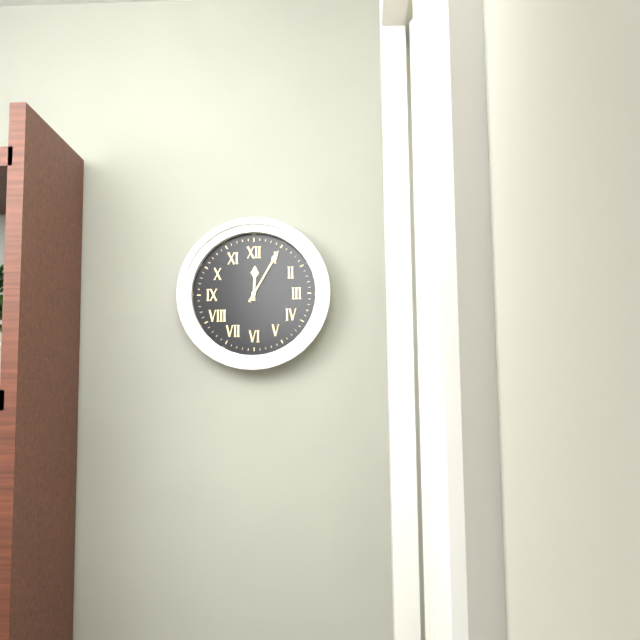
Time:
12:05
